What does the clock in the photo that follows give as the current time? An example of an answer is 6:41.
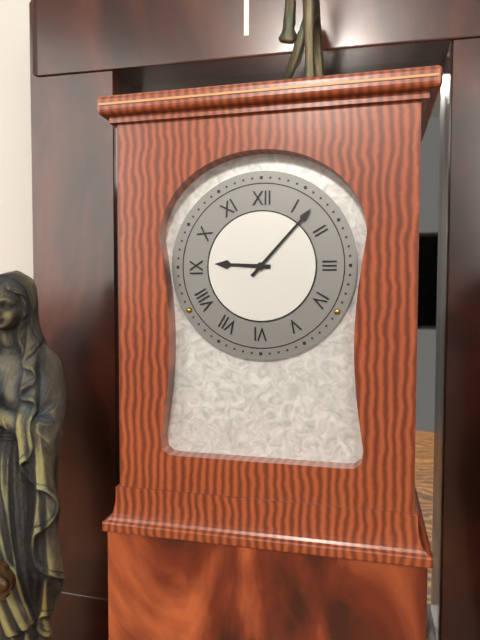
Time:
9:07
